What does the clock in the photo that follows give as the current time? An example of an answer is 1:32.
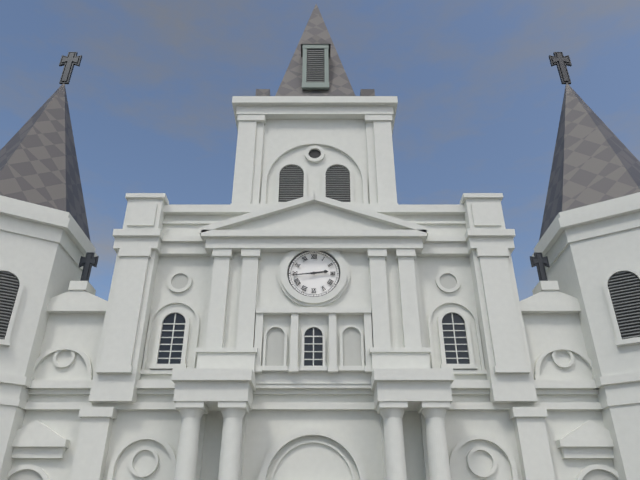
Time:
2:44
